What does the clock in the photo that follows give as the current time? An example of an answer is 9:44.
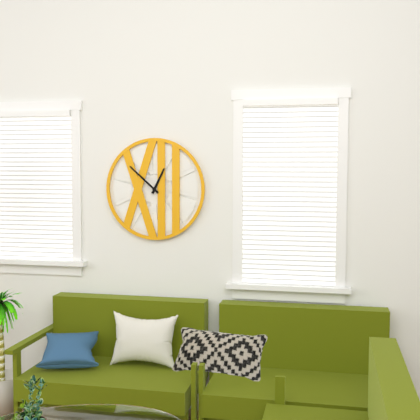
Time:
12:52
